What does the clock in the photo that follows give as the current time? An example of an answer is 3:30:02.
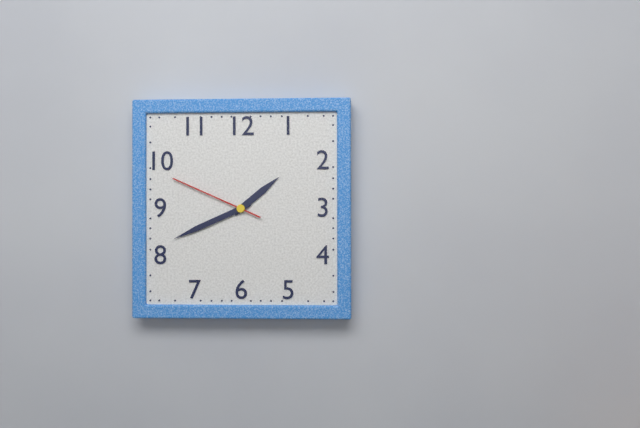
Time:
1:41:49
